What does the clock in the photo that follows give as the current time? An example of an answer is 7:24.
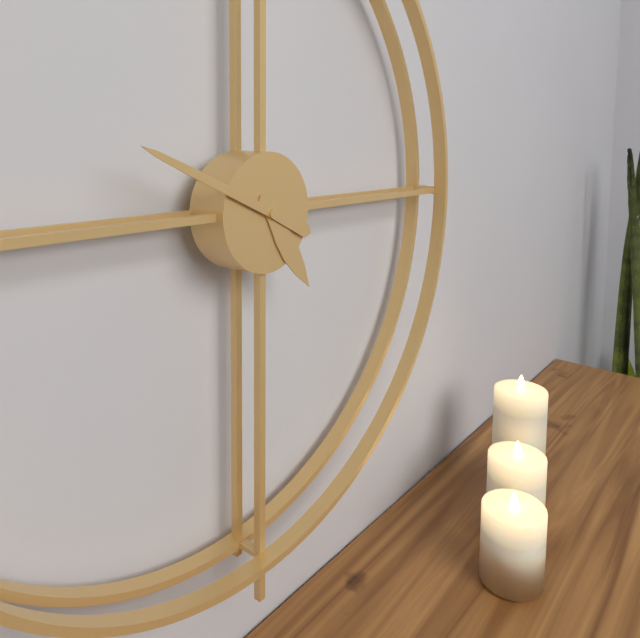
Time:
4:49
